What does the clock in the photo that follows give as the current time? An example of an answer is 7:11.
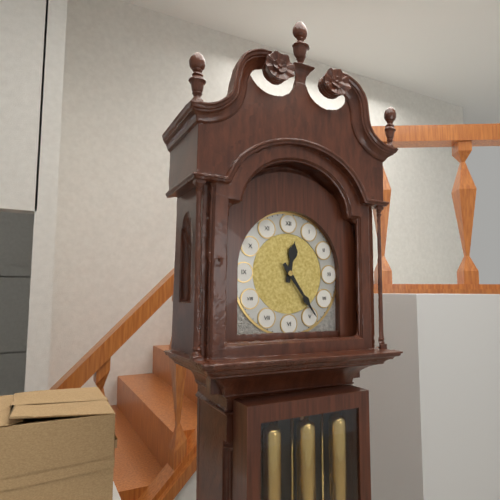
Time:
12:24
